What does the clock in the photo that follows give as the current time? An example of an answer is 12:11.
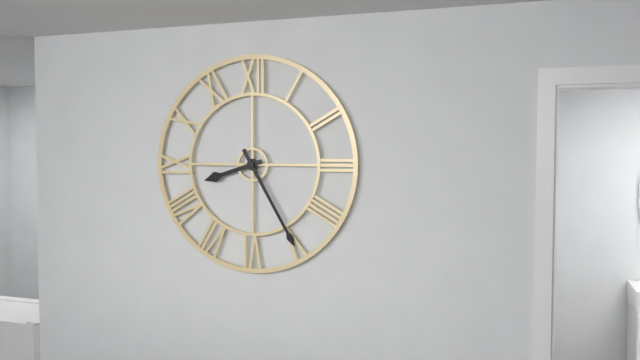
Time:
8:25
